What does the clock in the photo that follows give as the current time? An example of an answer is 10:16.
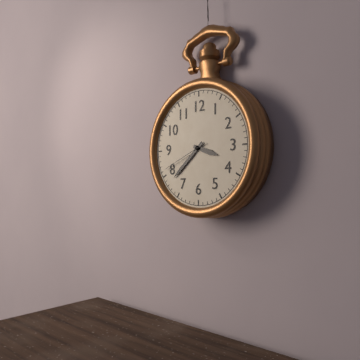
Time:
3:38
